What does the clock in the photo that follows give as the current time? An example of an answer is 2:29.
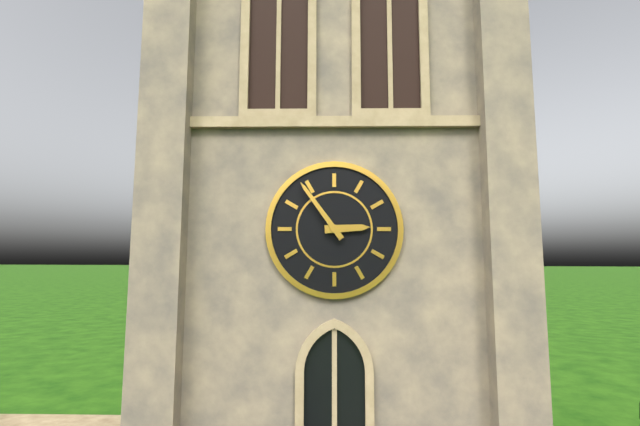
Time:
2:54
